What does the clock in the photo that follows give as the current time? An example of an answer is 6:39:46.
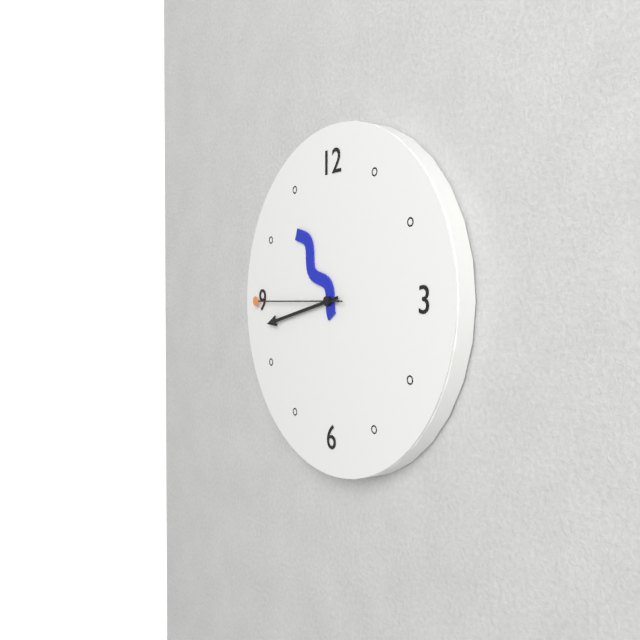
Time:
10:43:45
